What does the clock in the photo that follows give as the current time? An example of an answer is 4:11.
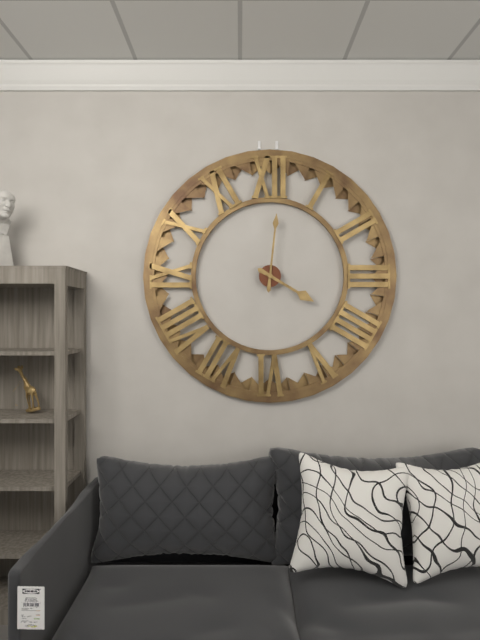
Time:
4:01
